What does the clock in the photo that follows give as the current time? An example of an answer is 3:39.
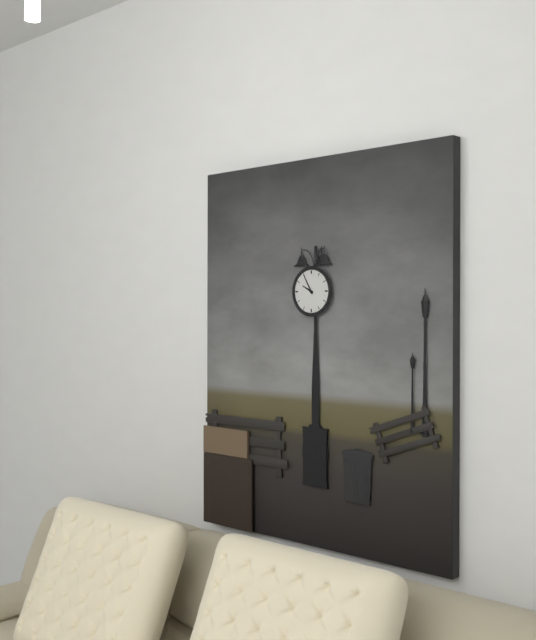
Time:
9:55
